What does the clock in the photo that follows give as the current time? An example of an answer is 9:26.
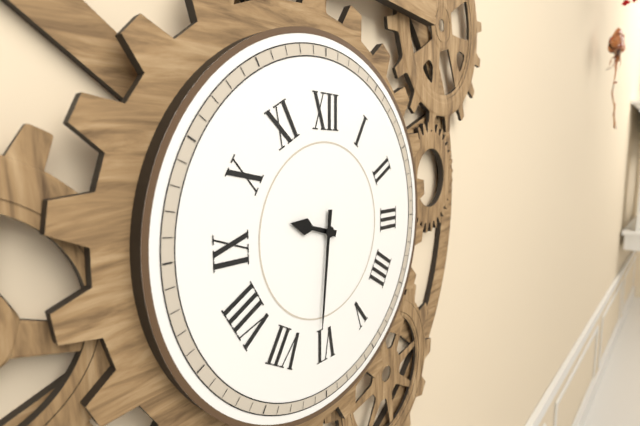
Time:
9:31
